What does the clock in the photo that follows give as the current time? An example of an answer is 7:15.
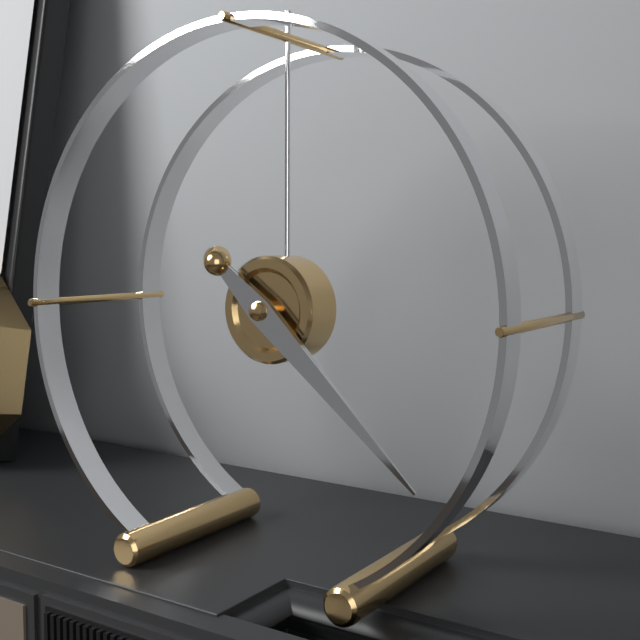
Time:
4:22
